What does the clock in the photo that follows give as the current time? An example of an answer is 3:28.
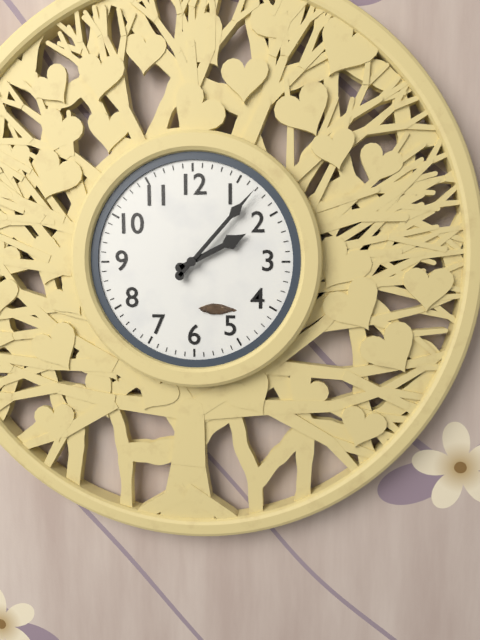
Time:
2:07
